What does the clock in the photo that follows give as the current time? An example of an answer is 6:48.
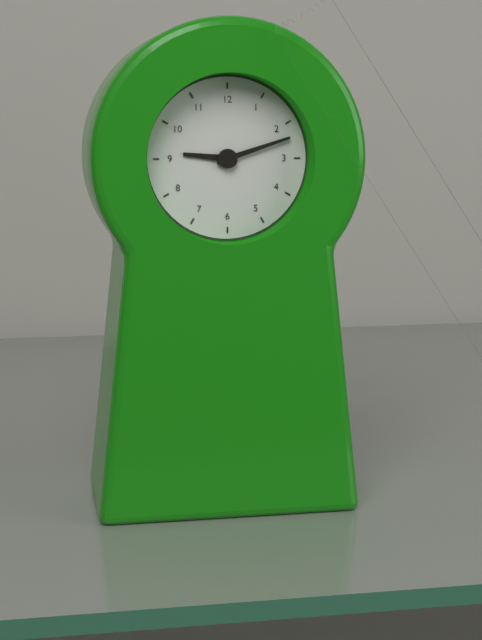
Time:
9:12
